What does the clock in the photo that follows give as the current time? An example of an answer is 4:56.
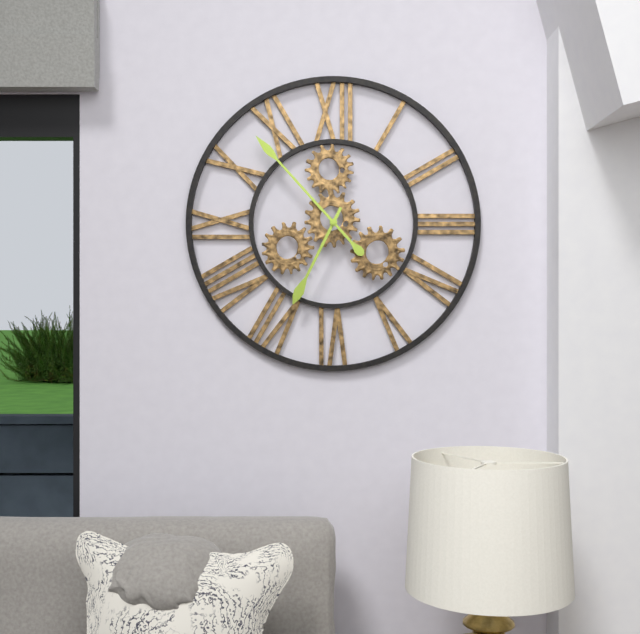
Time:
6:53
